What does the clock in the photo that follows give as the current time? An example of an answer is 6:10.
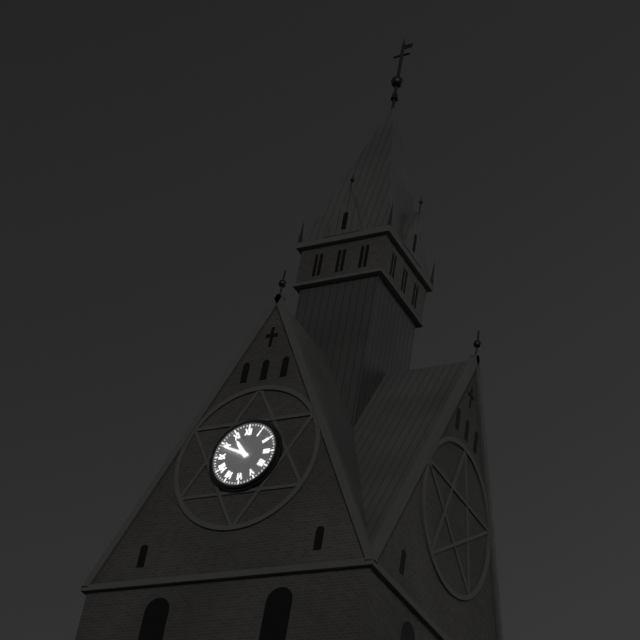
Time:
10:49
